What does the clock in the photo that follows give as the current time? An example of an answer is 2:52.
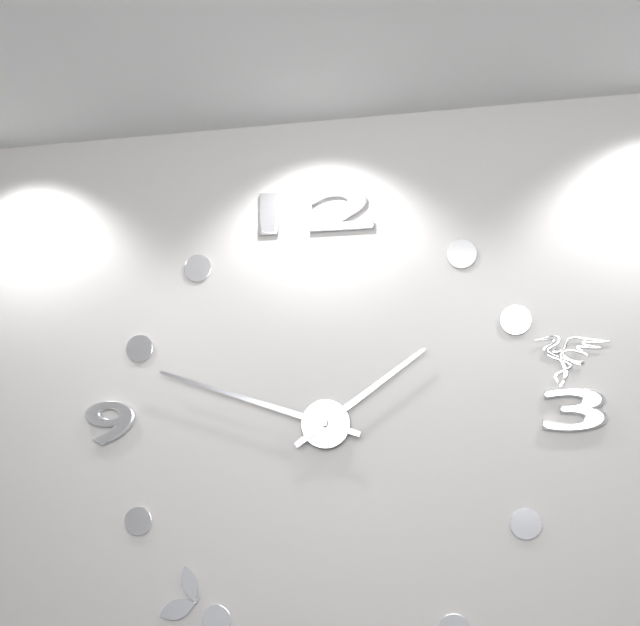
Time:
1:48
